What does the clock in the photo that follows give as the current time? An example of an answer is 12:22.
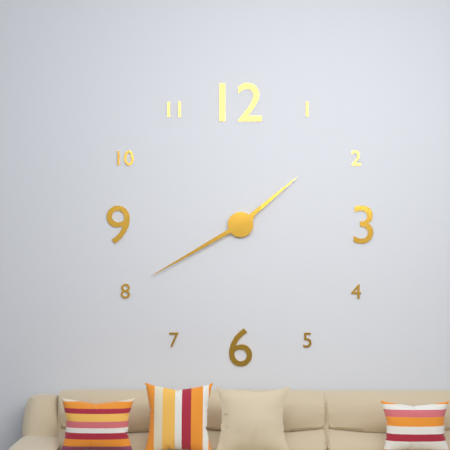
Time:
1:40
